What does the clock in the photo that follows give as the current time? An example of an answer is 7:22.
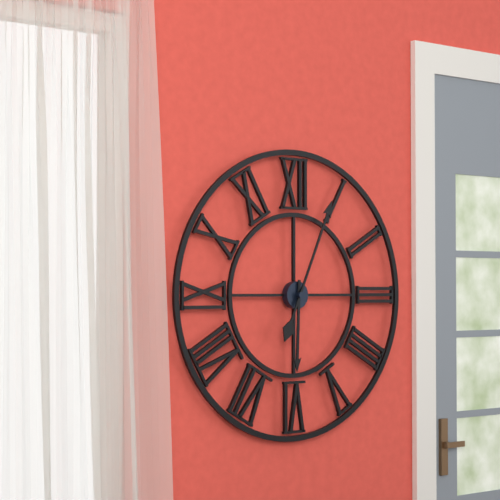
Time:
6:04
